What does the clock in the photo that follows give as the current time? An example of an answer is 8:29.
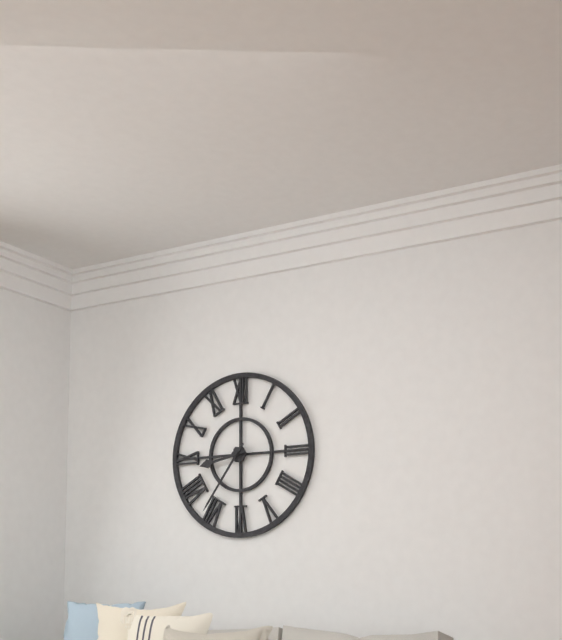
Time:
8:36
